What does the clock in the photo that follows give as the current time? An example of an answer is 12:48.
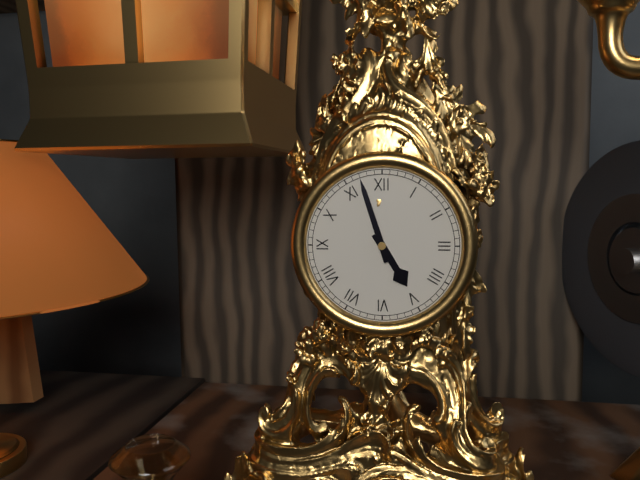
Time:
4:57
